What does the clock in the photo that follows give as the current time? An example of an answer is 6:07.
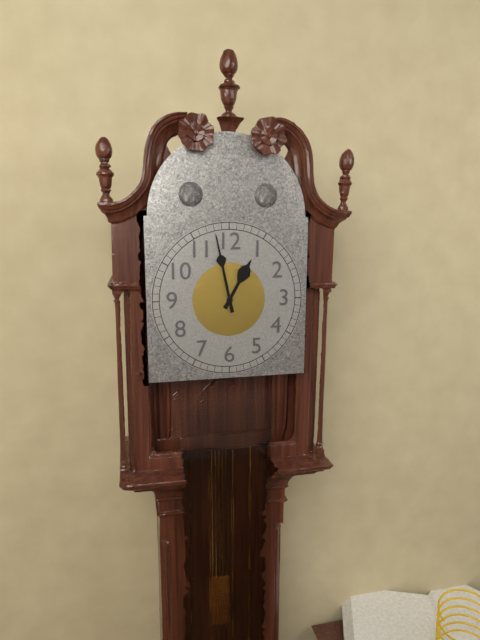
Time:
12:58
